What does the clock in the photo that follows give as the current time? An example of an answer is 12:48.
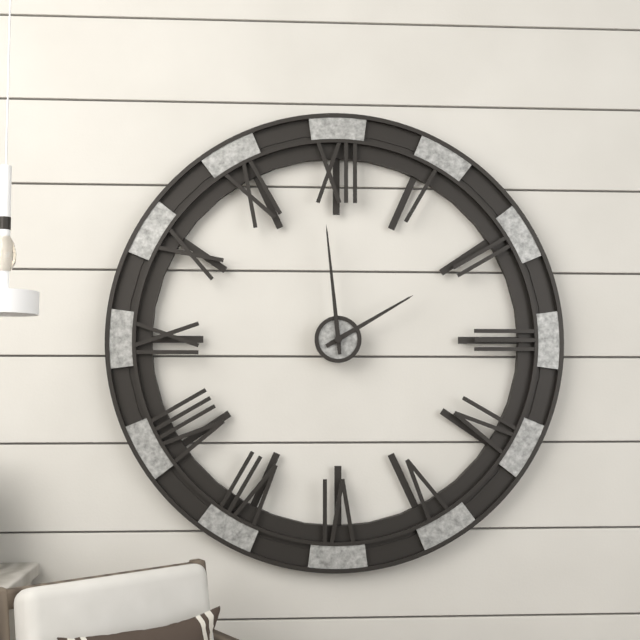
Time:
1:59
